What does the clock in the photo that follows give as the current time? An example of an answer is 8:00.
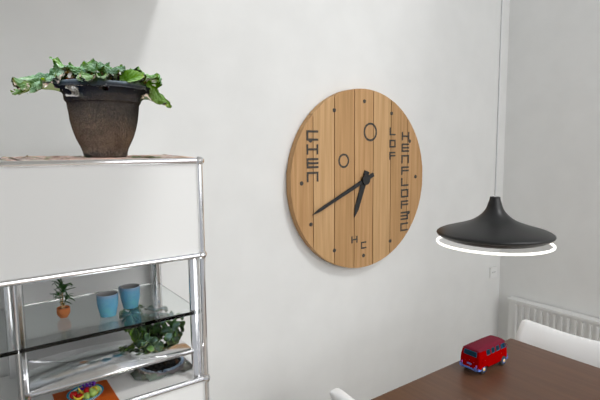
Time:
6:41
